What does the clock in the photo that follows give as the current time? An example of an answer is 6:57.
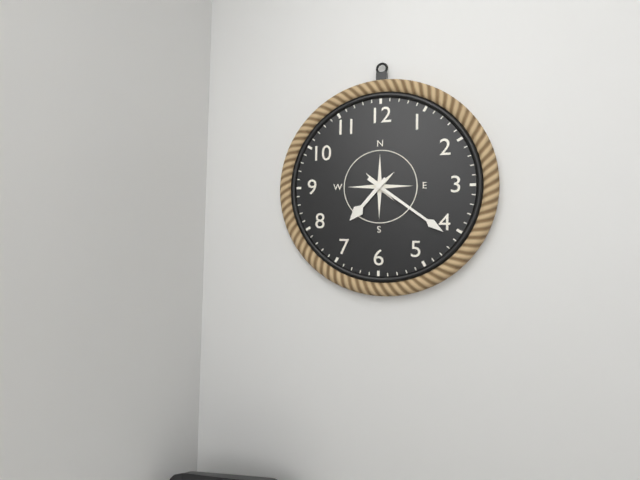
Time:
7:21
